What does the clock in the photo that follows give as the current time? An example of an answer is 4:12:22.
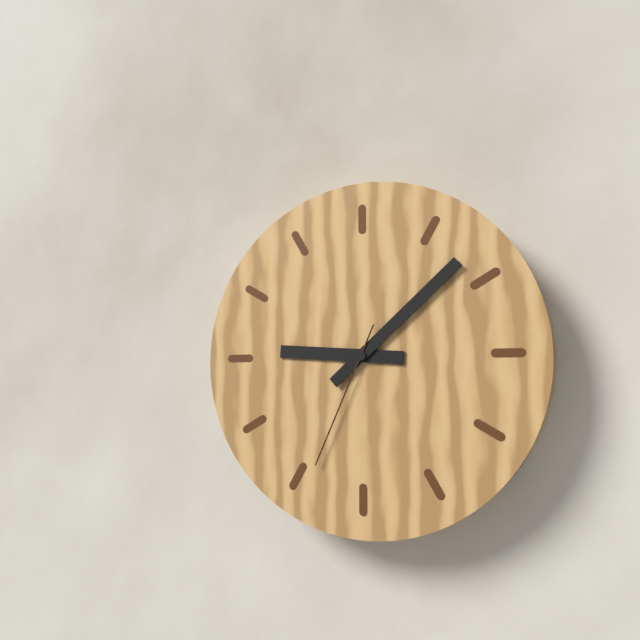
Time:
9:08:34
